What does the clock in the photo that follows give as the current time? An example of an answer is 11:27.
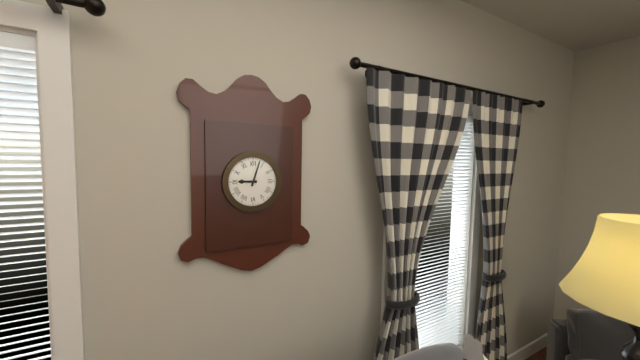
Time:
9:03
